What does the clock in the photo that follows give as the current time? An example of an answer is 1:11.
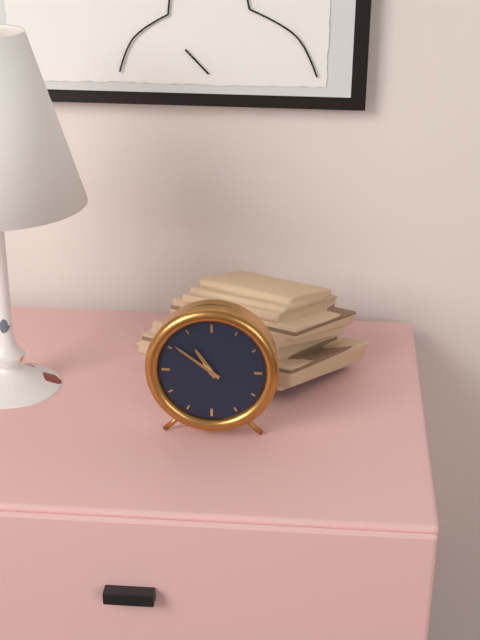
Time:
10:51
